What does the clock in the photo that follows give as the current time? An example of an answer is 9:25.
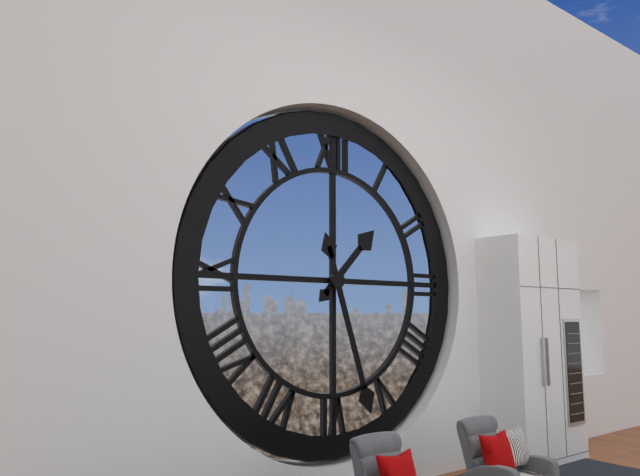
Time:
1:27
